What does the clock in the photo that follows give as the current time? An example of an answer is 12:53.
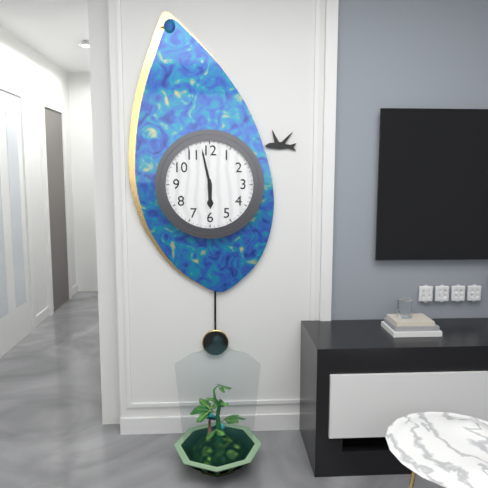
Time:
5:58
